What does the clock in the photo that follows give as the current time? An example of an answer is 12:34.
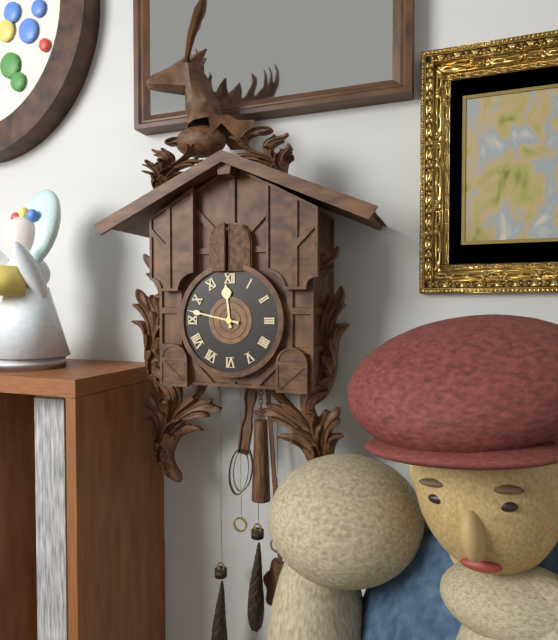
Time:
11:47
